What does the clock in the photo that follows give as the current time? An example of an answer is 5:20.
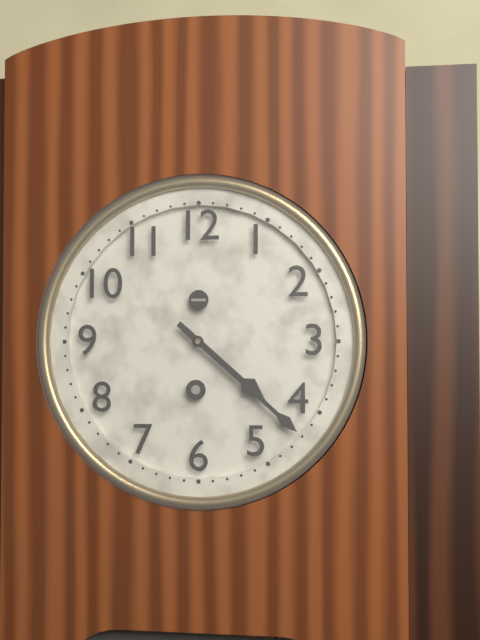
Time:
4:22
